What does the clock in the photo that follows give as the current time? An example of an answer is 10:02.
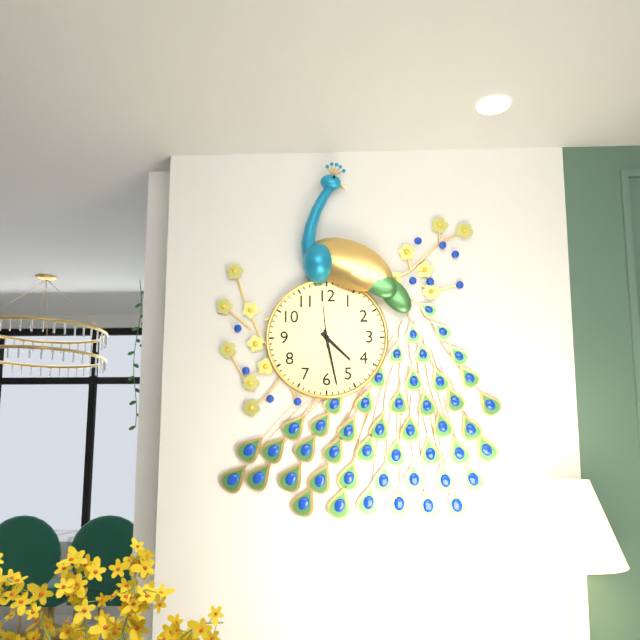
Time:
4:28
